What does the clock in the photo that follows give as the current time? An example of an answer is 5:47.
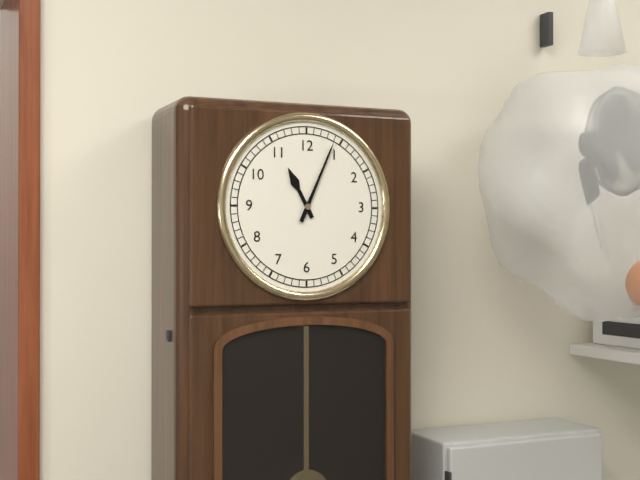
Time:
11:04
